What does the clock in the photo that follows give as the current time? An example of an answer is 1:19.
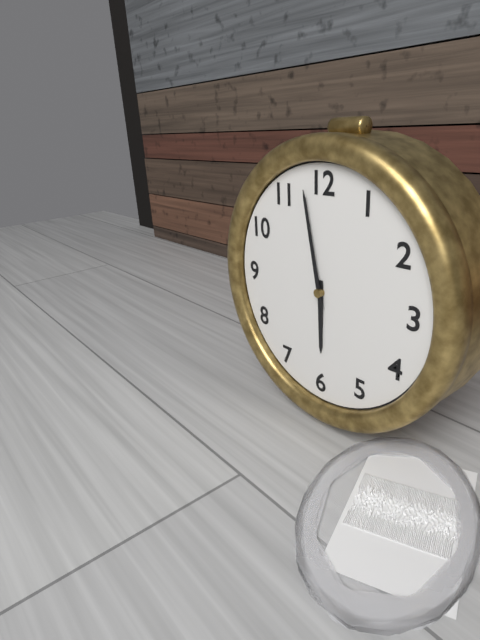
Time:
5:58
